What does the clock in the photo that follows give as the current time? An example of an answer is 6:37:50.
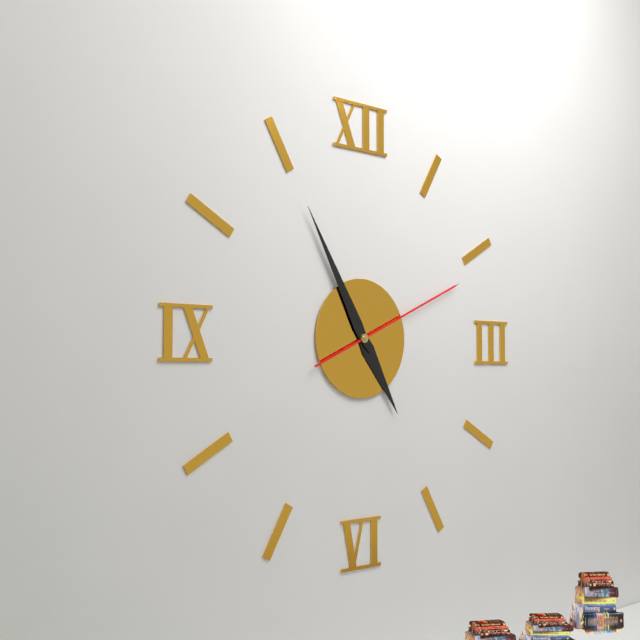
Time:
4:55:11
